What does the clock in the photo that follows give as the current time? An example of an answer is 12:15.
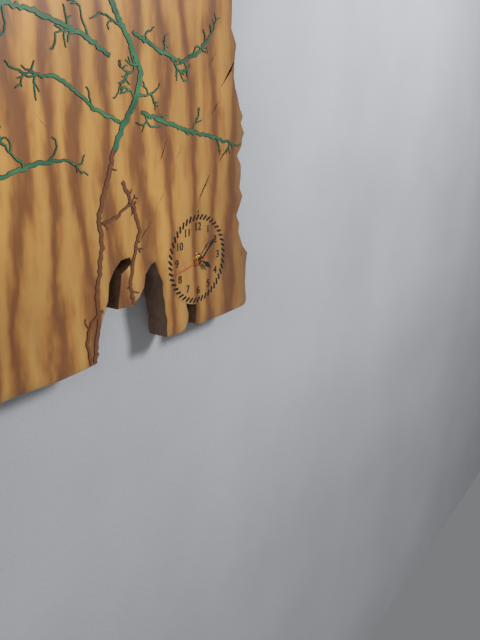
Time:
4:08
